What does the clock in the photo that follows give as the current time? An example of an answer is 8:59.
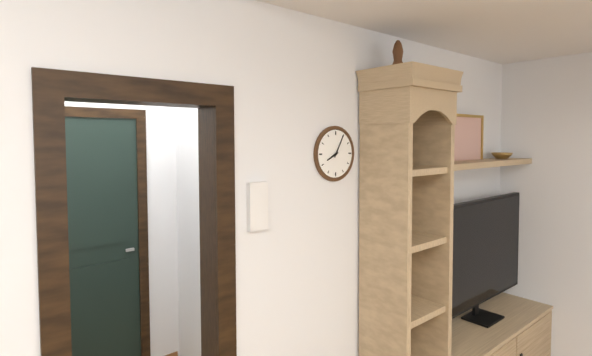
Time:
8:05
